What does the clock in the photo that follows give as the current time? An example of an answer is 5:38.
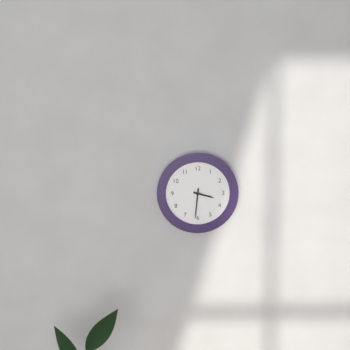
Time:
3:31
